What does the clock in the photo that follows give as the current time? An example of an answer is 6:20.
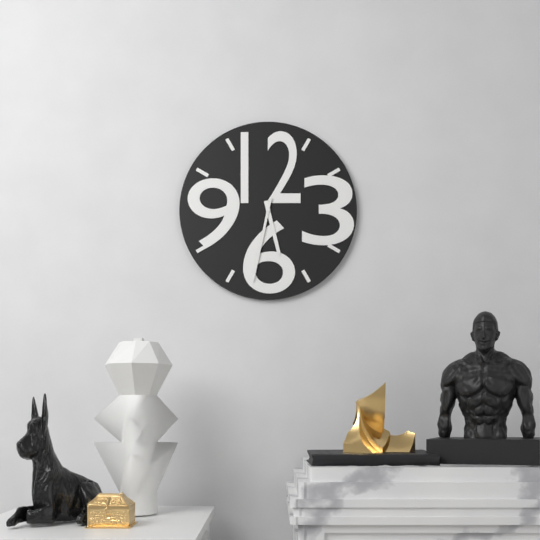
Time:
5:32
